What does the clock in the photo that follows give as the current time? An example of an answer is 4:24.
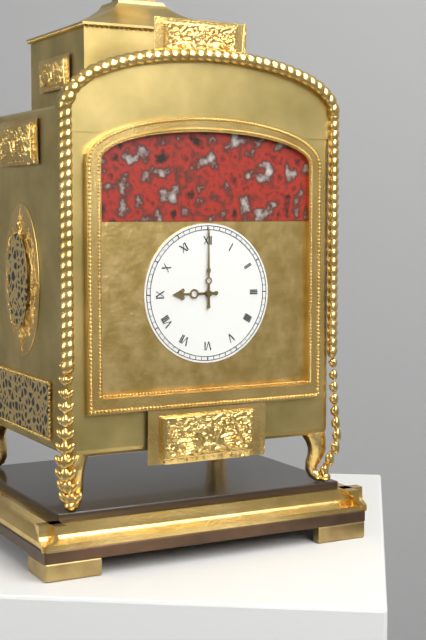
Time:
9:00
